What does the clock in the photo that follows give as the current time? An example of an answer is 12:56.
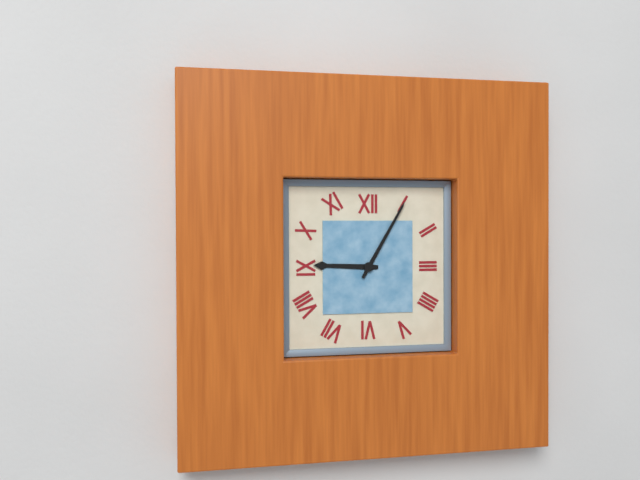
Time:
9:05
